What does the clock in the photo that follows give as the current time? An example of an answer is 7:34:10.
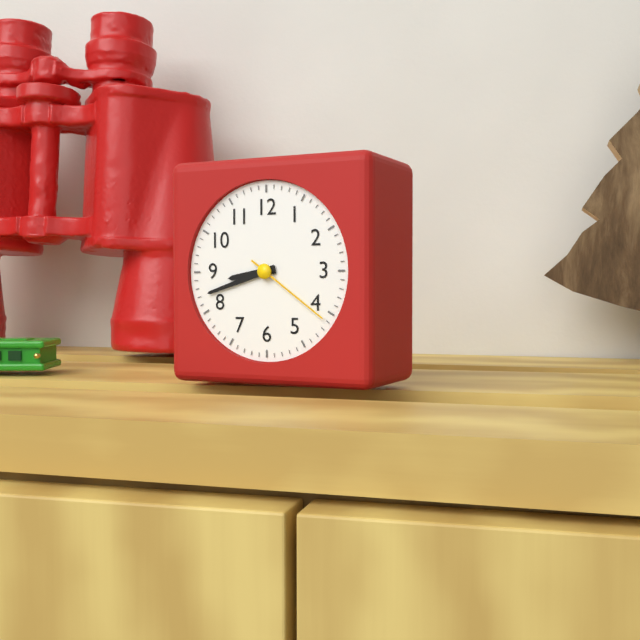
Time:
8:42:21
